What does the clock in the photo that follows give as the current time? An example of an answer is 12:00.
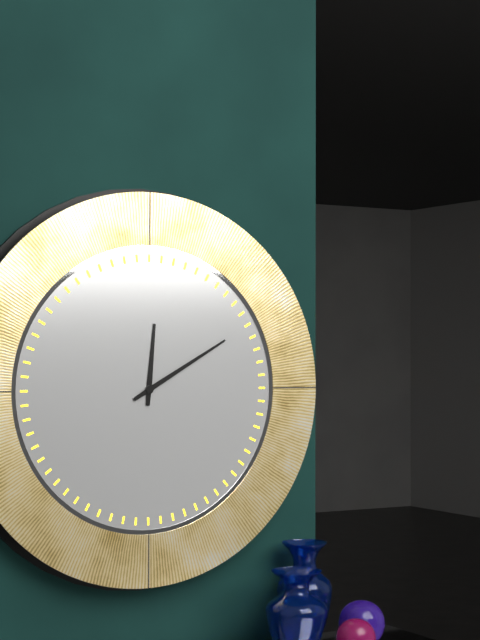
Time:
12:10
